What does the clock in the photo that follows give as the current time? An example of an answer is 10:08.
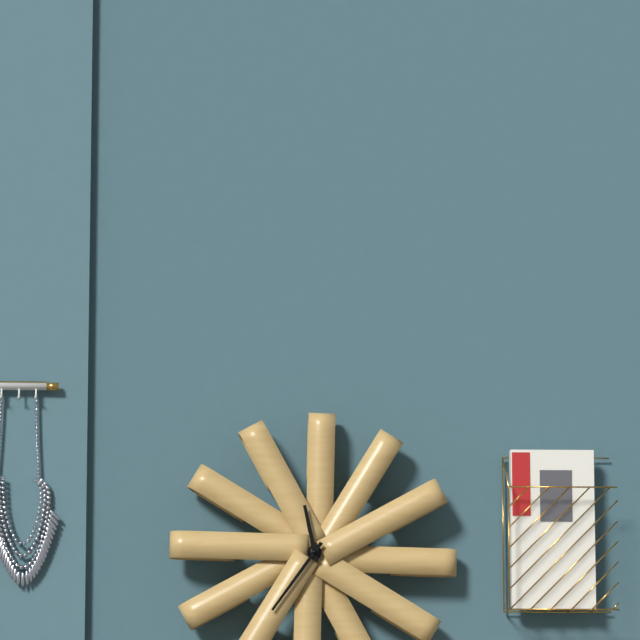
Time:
11:36
